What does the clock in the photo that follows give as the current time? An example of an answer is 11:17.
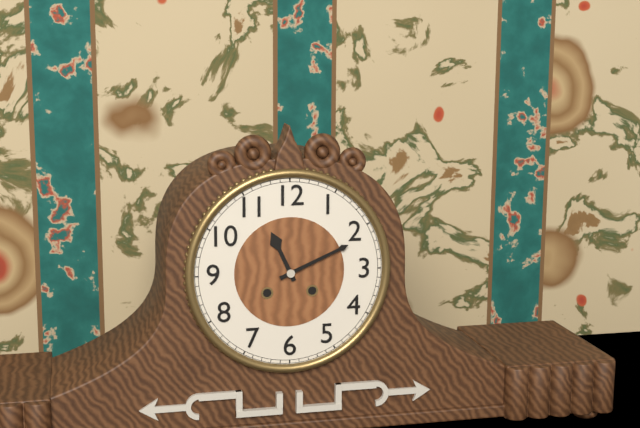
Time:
11:11
